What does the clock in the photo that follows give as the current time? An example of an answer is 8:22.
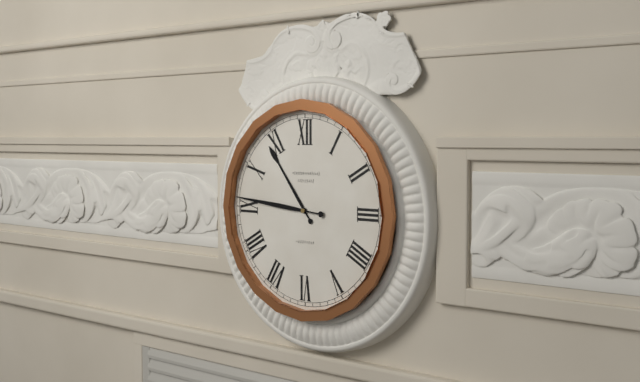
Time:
10:46
